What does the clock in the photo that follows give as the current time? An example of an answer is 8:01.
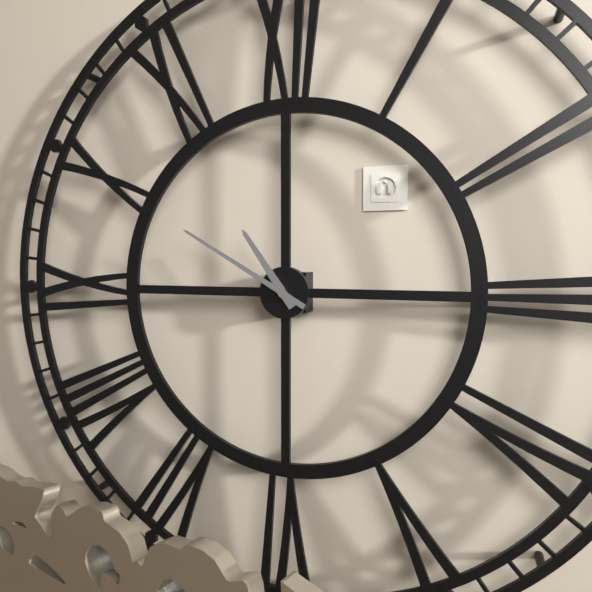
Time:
10:50
